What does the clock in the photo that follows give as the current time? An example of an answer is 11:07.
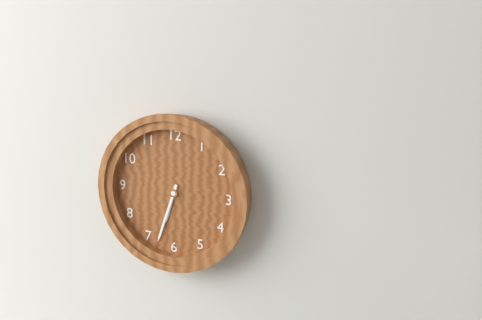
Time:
6:33
